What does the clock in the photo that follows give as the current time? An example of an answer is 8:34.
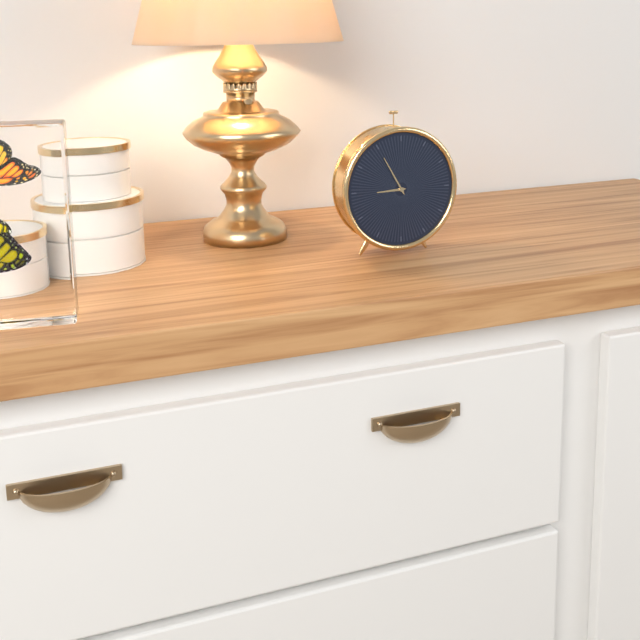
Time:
8:55
